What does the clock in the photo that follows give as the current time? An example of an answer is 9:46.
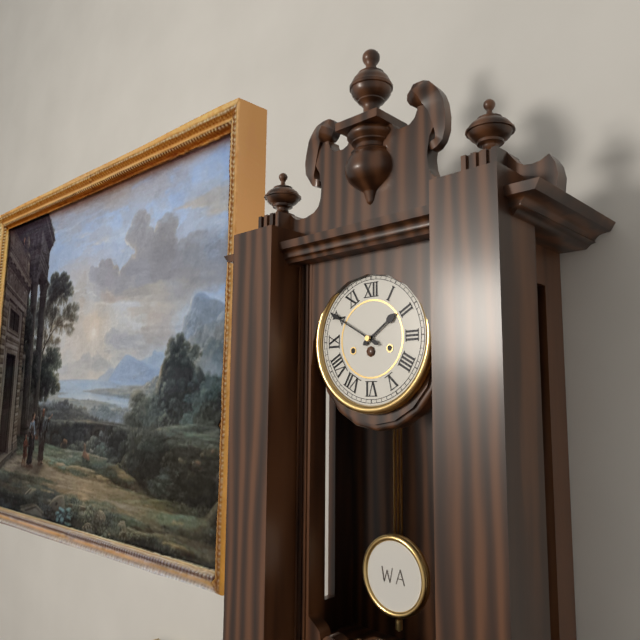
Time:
1:50
